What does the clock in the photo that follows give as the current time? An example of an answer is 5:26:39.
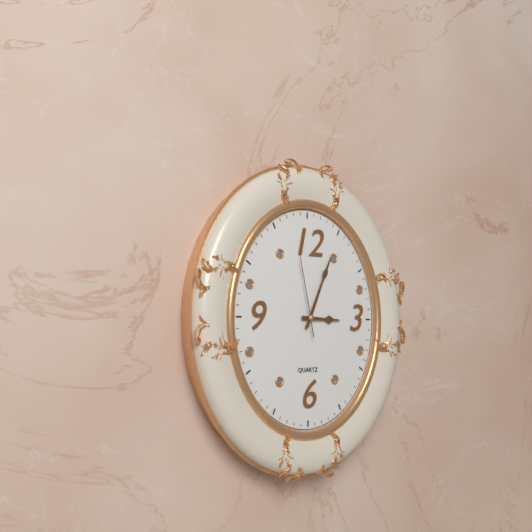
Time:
3:04:58
